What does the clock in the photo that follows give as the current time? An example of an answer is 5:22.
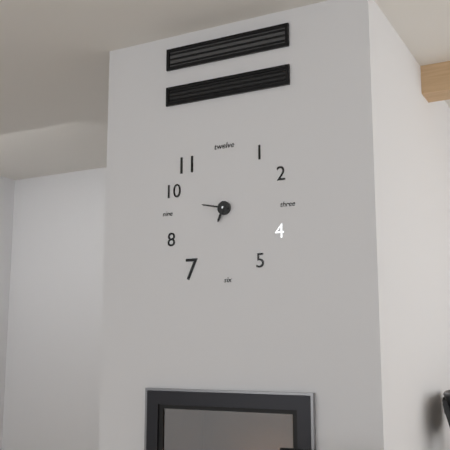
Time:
6:47
